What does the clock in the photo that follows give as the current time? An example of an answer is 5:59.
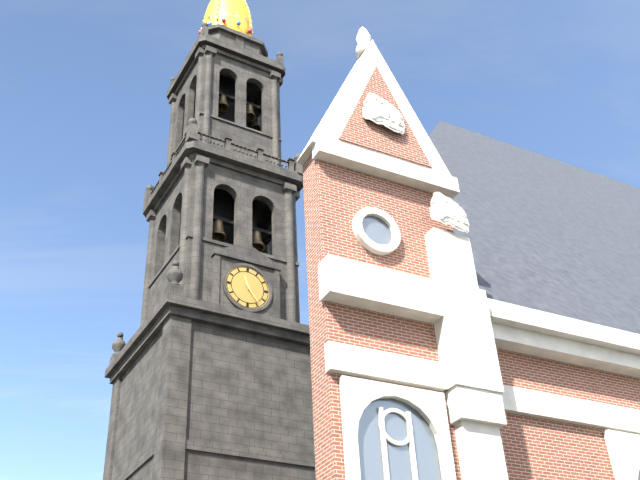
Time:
11:24
